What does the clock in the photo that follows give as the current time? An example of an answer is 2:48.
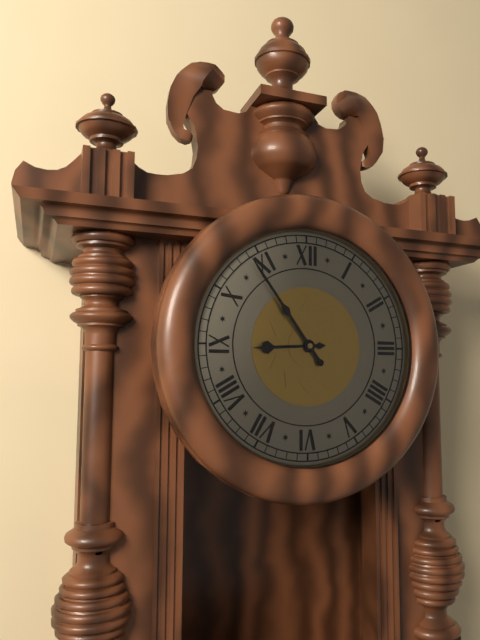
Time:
8:54
